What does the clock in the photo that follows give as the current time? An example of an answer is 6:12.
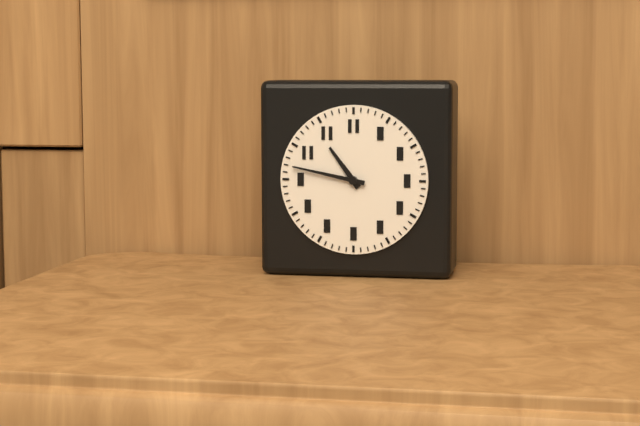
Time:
10:47
